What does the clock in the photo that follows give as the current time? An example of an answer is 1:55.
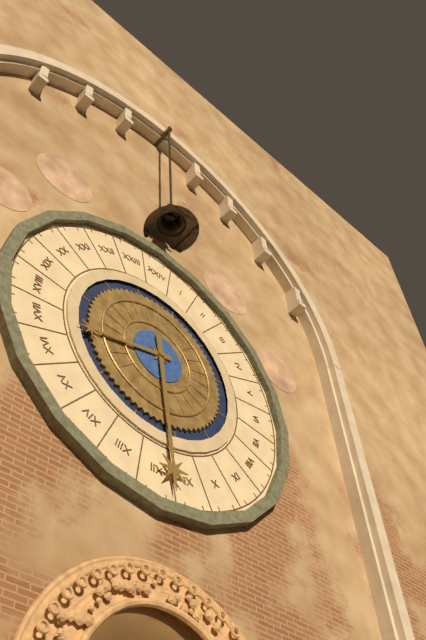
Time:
8:29
